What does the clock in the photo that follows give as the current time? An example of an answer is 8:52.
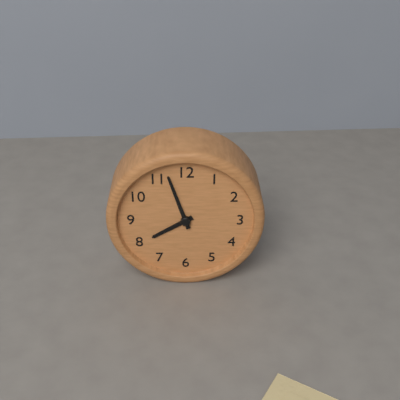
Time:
7:57
